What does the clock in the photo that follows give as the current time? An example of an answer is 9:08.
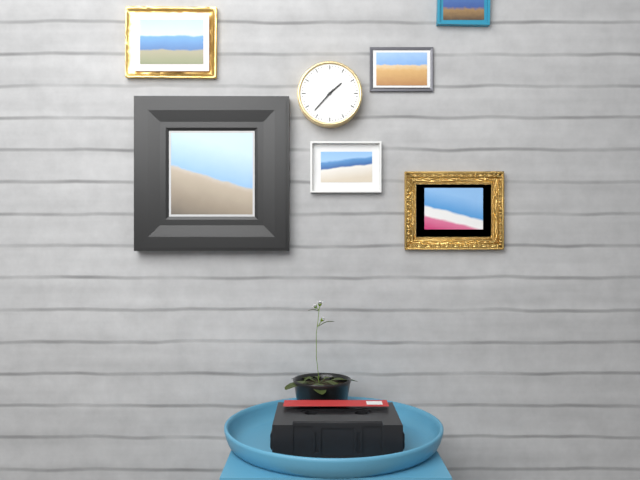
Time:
1:37
